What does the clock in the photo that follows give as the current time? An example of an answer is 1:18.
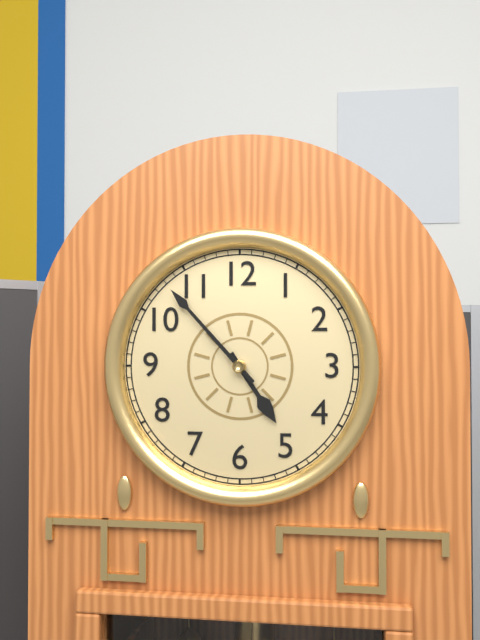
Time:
4:53
